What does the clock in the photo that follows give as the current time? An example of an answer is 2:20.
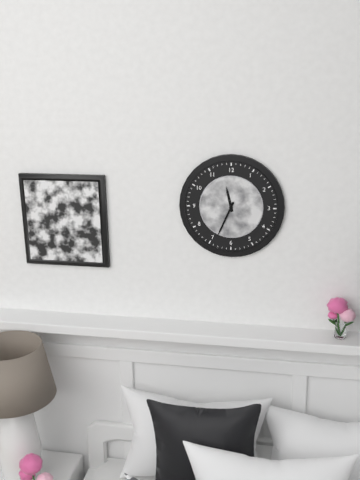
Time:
11:34
